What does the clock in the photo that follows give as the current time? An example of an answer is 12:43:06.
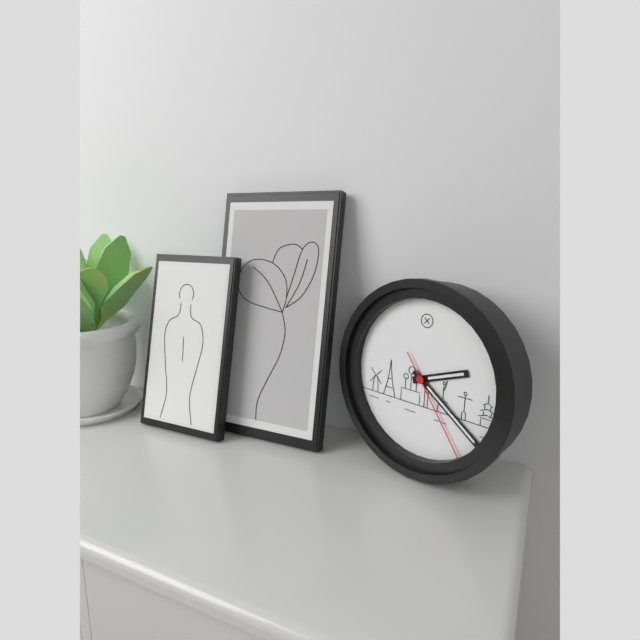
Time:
2:21:24
